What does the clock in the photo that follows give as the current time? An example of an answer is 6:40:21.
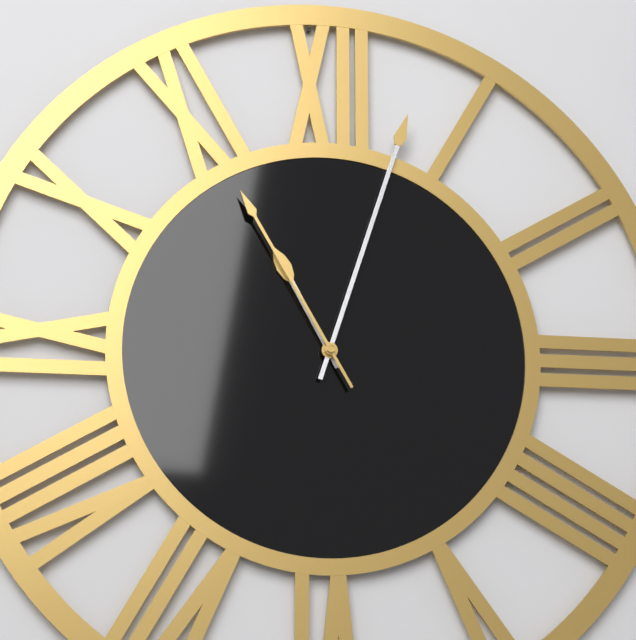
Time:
11:03:55
